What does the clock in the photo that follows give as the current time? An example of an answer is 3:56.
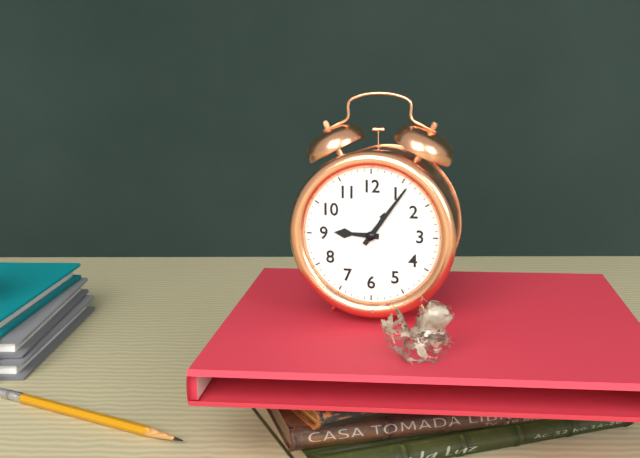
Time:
9:06
